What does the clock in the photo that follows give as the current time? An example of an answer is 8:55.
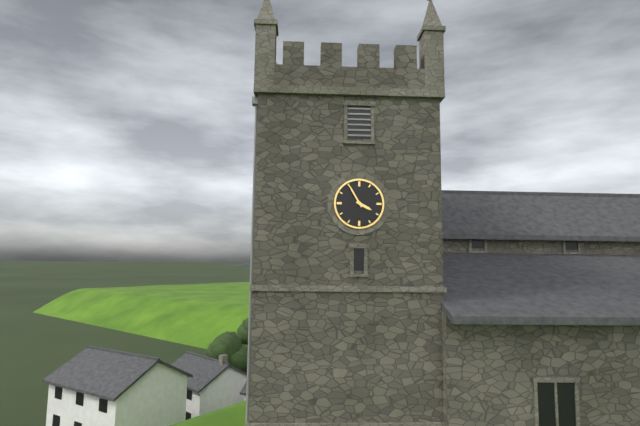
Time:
3:55
